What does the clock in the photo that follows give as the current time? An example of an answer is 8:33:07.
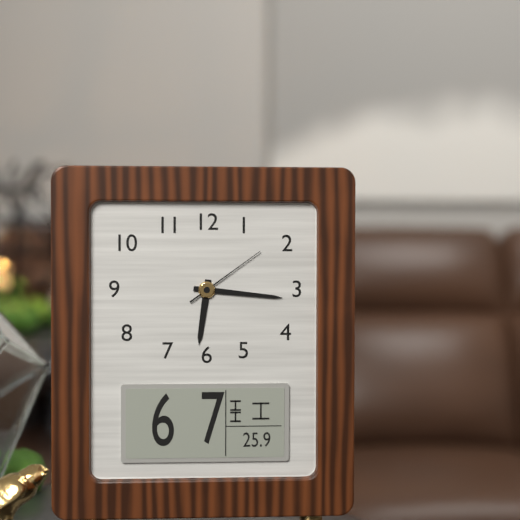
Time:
6:16:09
